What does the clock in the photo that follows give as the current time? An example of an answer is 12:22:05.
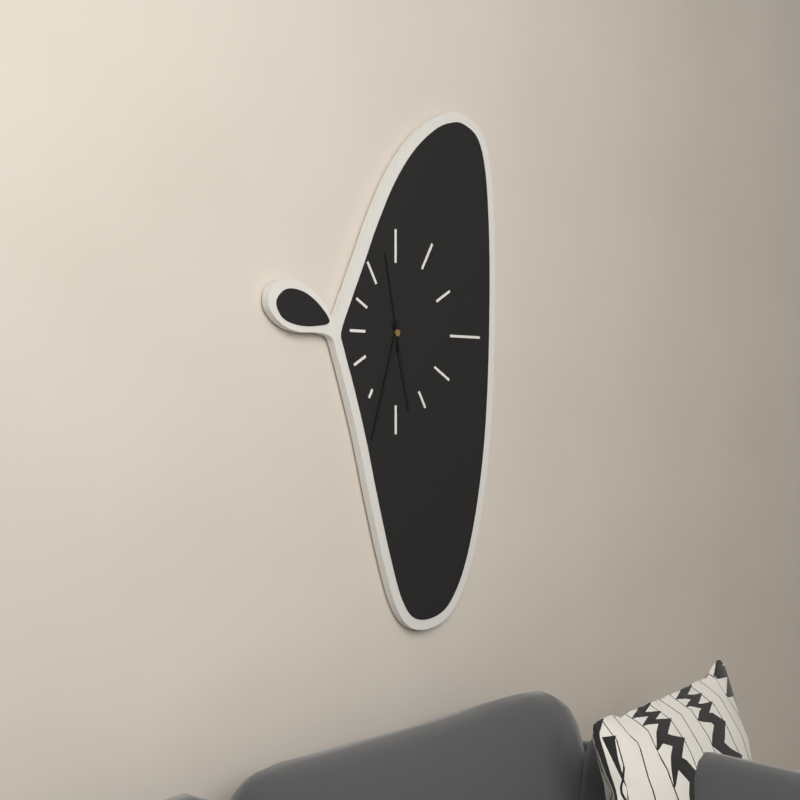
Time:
5:33:58
